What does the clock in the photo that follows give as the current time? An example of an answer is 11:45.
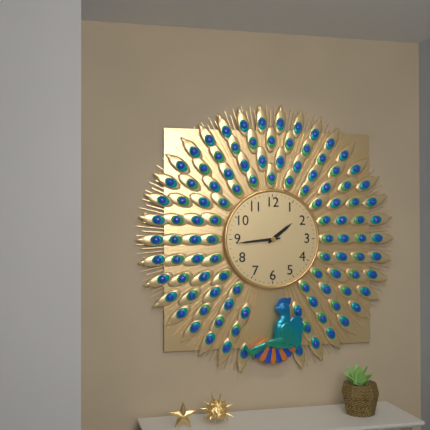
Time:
1:44
